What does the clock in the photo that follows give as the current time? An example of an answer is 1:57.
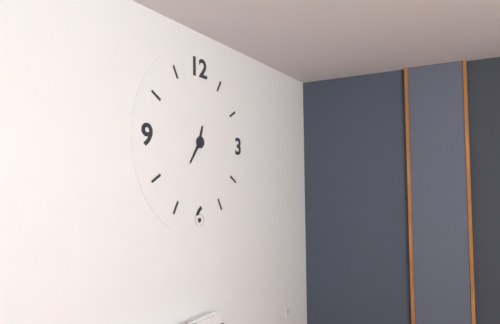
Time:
12:36
